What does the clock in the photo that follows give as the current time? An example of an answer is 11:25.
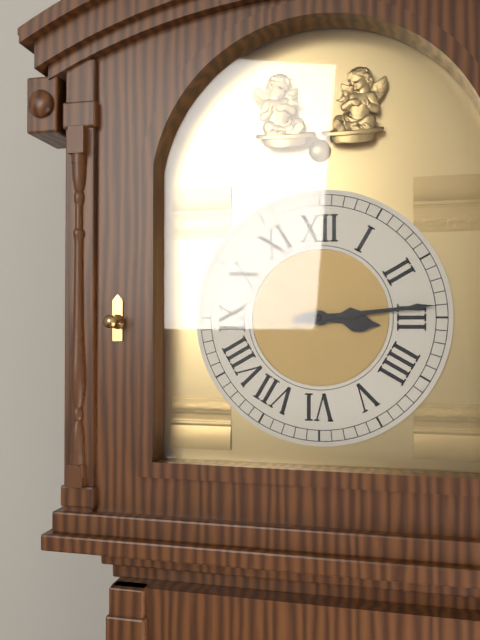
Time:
3:14
